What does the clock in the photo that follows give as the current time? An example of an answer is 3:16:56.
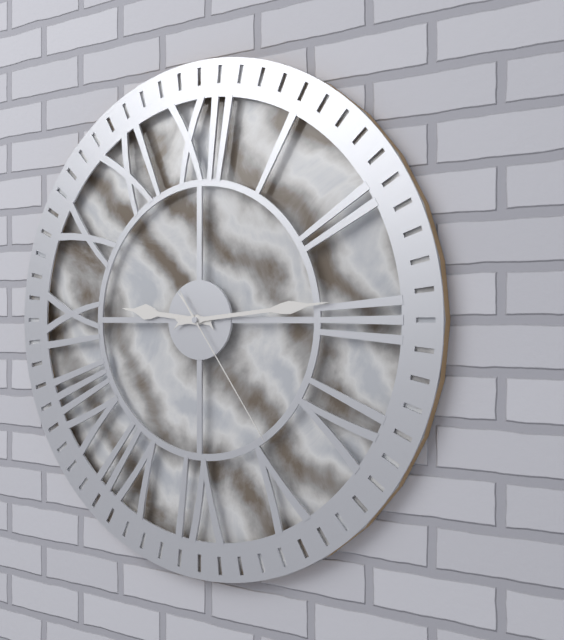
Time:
9:14:24
